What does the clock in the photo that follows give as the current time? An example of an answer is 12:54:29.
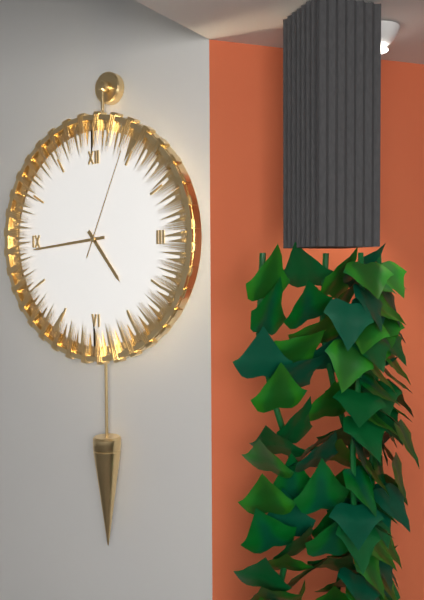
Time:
4:44:04
